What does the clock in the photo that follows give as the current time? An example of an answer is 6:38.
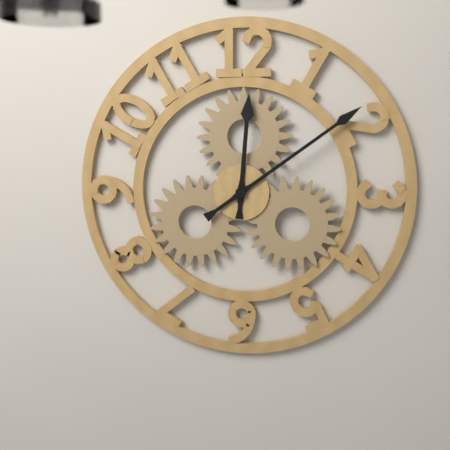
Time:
12:09
